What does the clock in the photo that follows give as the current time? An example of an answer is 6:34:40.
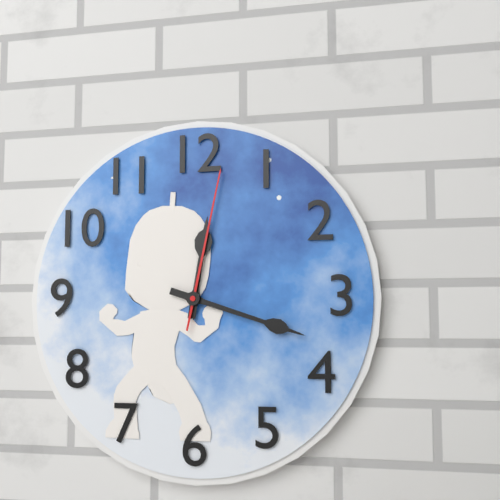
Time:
12:18:02
